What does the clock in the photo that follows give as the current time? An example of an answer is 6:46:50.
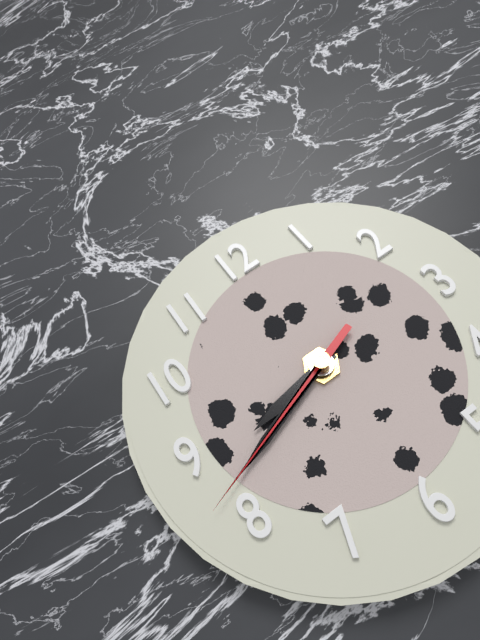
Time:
8:42:42
